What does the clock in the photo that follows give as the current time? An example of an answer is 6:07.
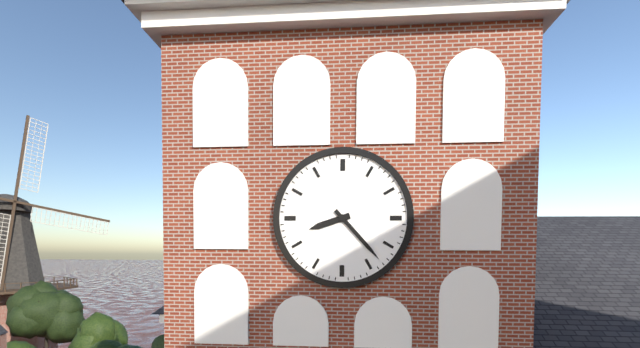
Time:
8:23
